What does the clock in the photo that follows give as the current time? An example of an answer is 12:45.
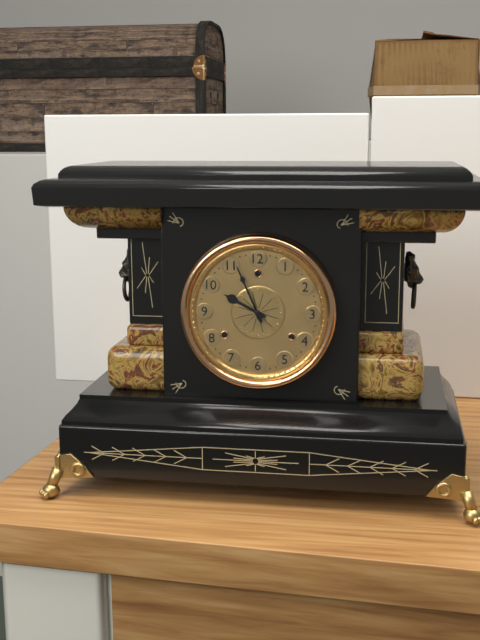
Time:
9:56
